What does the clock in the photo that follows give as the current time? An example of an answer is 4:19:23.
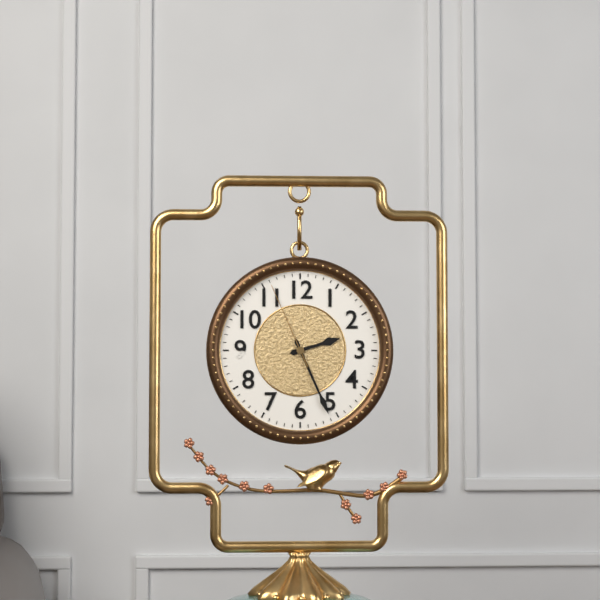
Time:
2:26:56
